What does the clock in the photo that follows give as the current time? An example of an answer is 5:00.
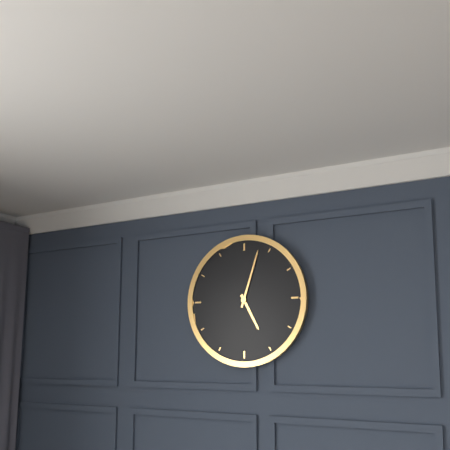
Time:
5:03
